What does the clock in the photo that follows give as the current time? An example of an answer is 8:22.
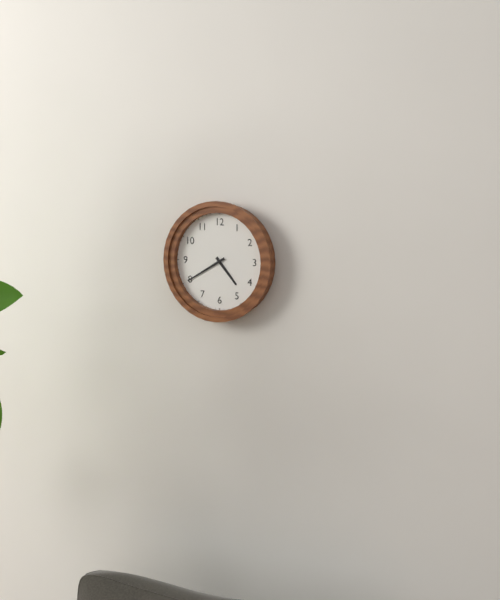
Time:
4:40
